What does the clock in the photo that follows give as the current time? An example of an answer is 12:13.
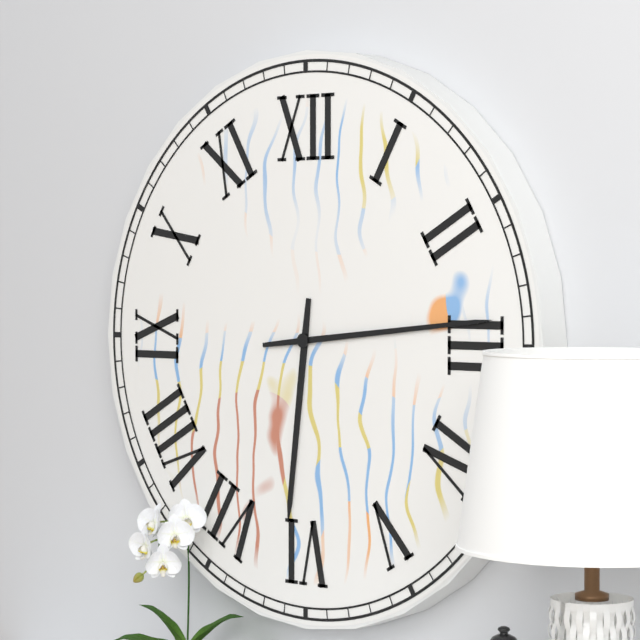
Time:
6:14
